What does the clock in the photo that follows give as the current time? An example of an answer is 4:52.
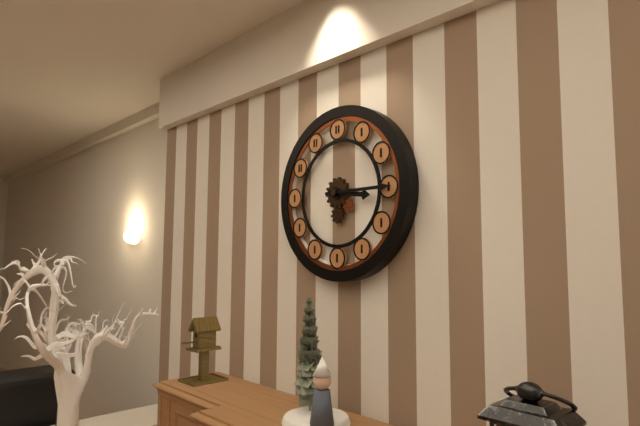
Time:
3:15
